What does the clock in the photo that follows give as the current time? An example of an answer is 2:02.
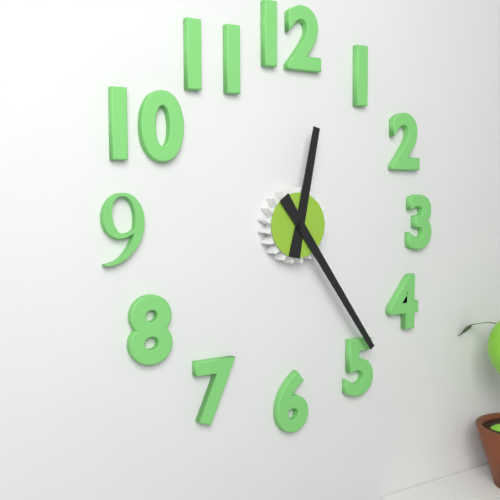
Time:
12:24
